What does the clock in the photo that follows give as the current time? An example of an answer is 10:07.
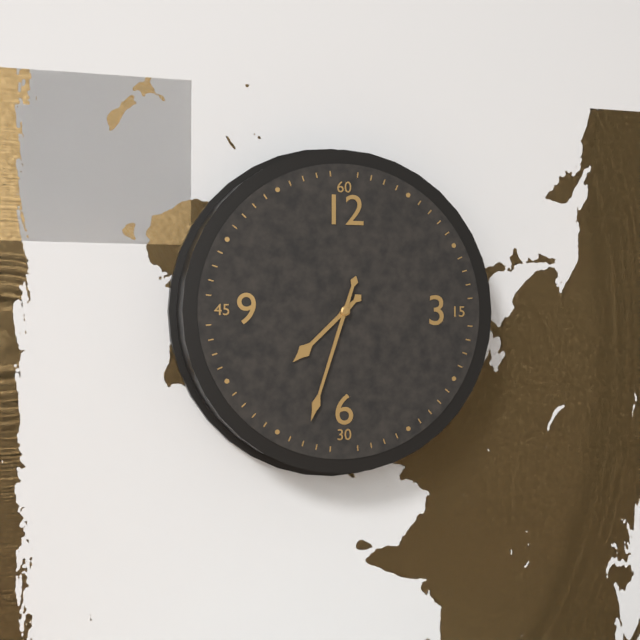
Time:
7:33
